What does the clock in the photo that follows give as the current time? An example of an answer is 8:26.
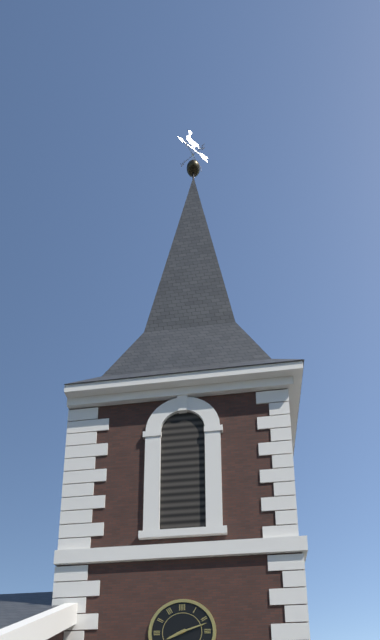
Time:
8:12
